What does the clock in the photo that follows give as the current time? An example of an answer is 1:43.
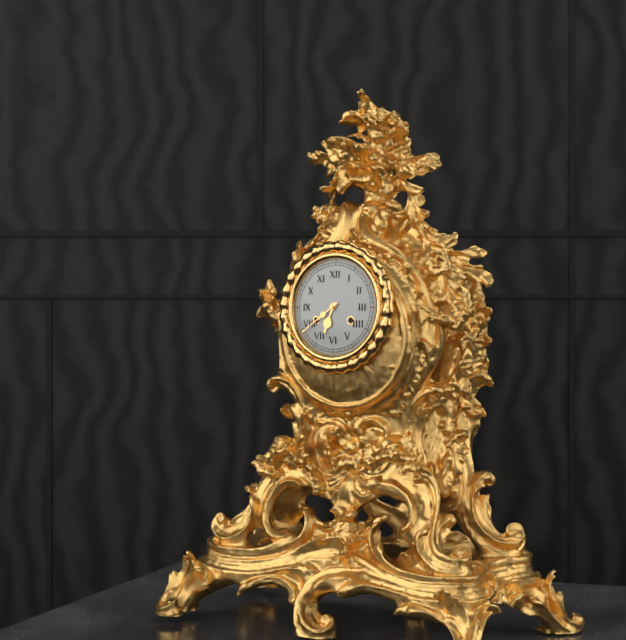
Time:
6:39
